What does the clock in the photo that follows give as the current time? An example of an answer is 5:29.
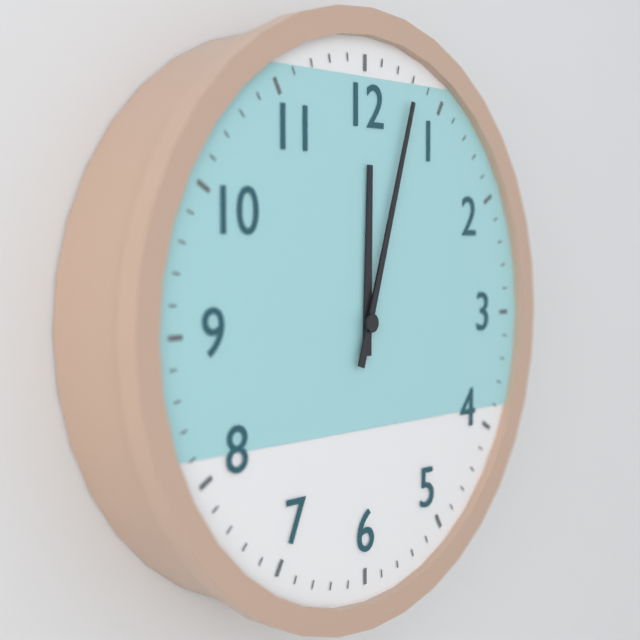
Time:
12:03
